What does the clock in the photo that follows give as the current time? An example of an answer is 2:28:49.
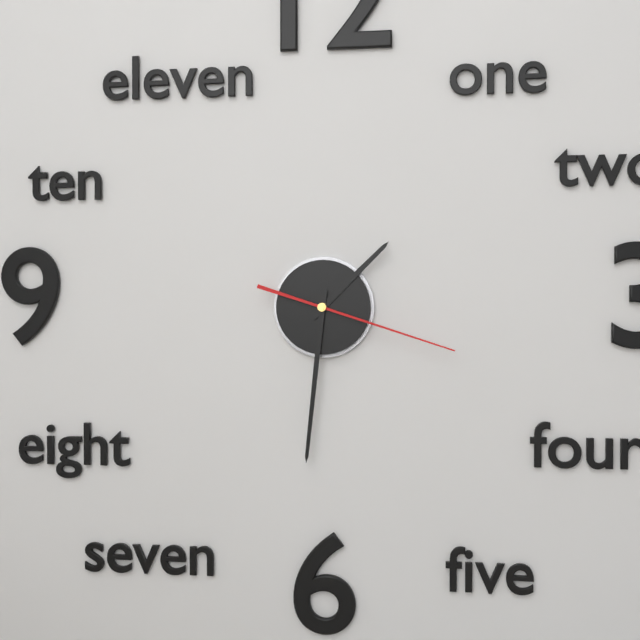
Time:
1:31:18
